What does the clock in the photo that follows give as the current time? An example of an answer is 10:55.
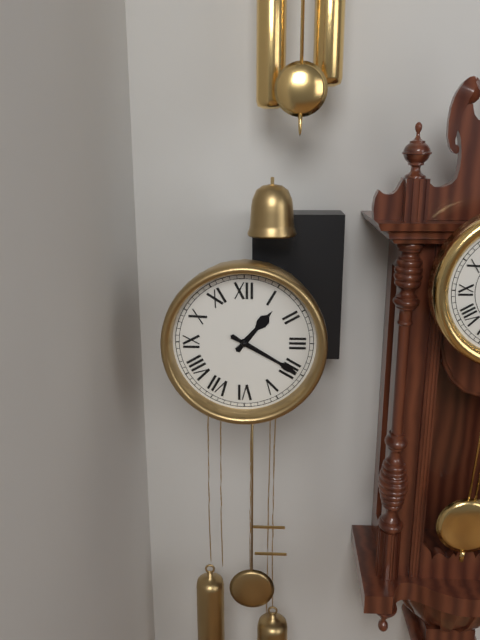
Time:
1:20
